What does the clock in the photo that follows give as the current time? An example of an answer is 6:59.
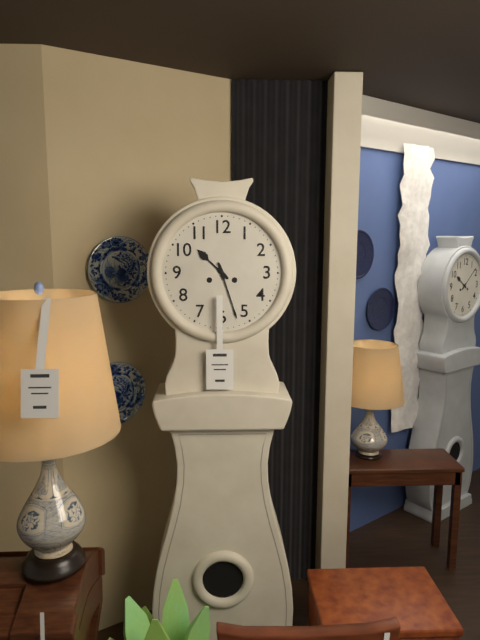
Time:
10:27
